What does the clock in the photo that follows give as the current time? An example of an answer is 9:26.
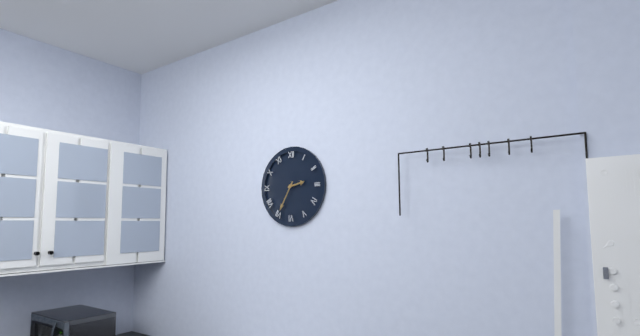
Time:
2:35
